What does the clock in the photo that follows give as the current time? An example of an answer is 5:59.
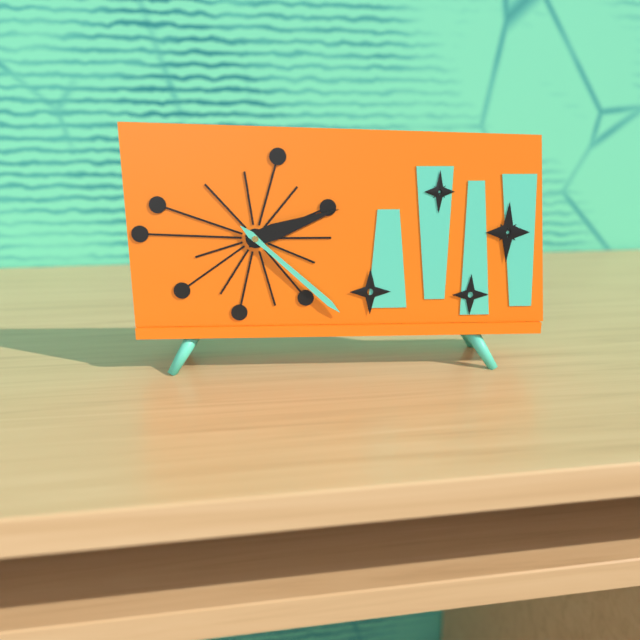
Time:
2:22
